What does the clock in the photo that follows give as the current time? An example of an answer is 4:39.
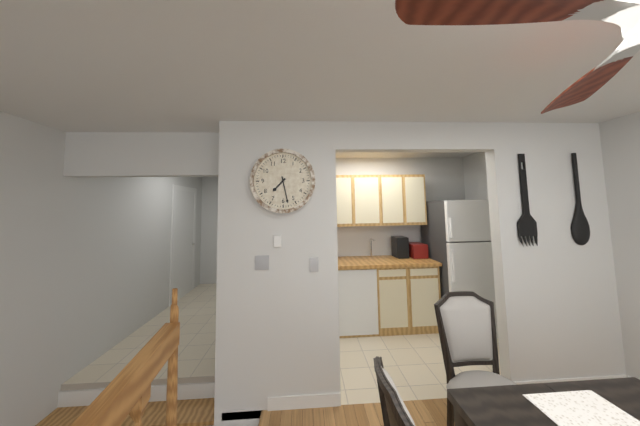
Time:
7:28
